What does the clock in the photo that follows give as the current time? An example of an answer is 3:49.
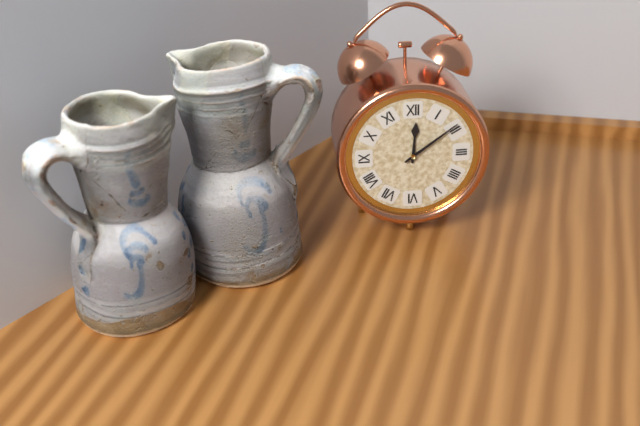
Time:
12:09
